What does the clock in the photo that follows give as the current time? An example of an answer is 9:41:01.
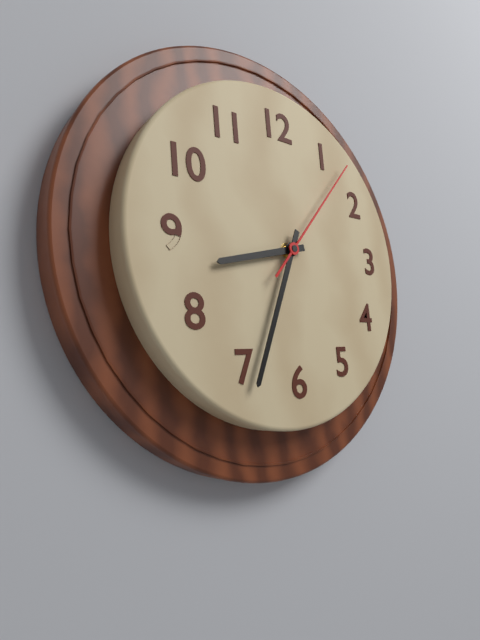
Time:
8:34:07
